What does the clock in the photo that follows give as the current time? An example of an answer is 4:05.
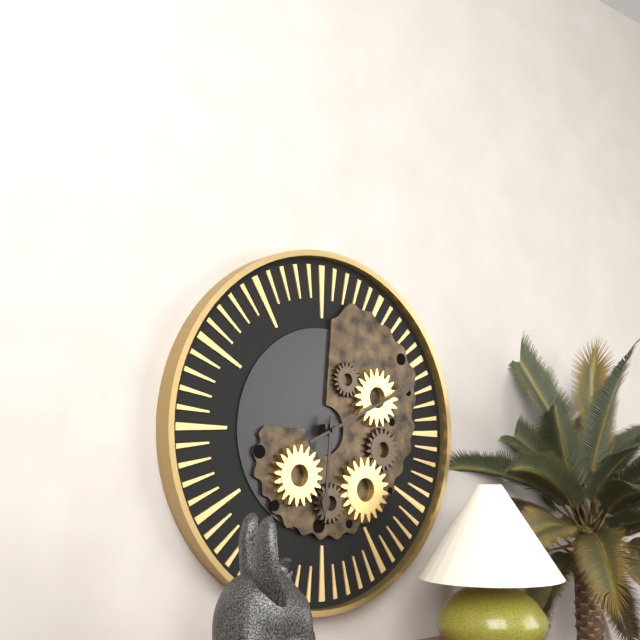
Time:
6:11
